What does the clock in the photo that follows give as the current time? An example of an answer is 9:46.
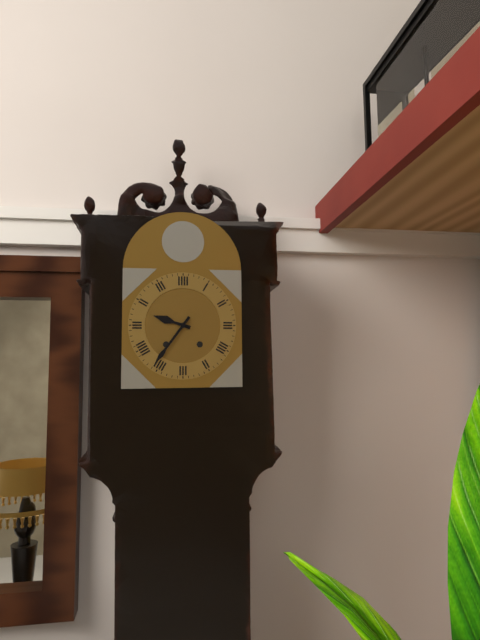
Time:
9:36
